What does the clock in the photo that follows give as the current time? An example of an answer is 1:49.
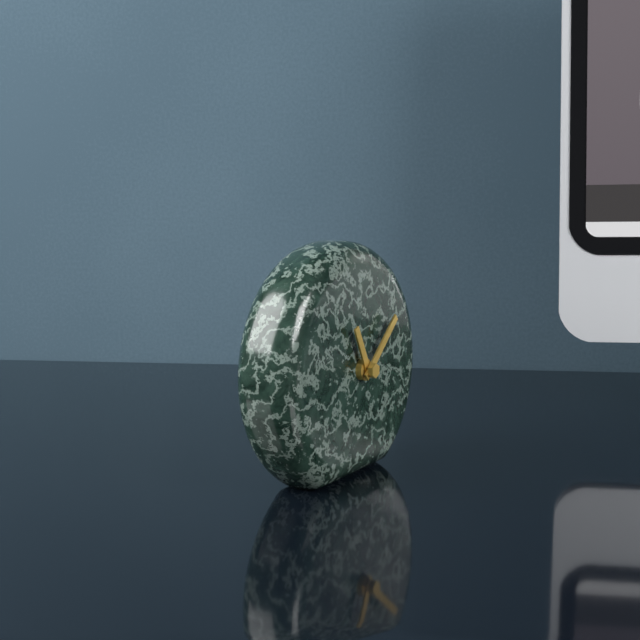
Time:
11:08
